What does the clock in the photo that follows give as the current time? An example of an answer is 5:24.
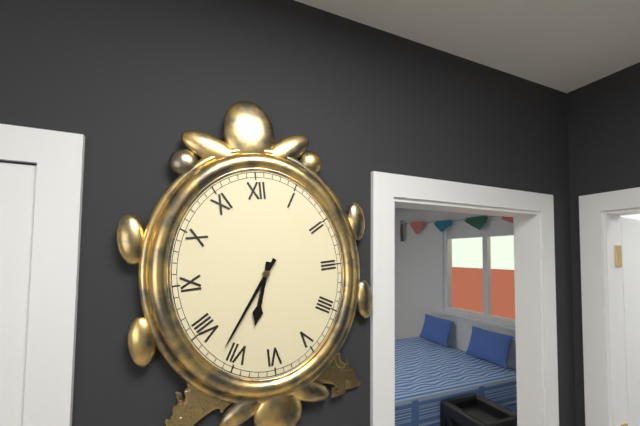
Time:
6:36
